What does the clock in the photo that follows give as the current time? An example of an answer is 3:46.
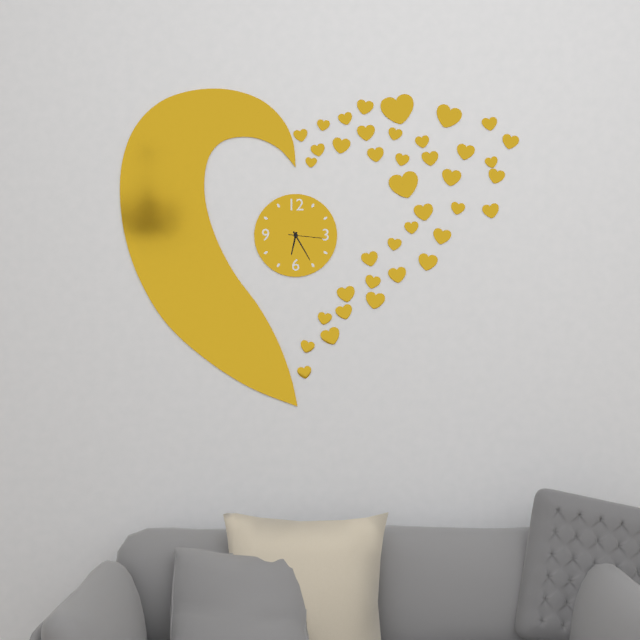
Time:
6:25
